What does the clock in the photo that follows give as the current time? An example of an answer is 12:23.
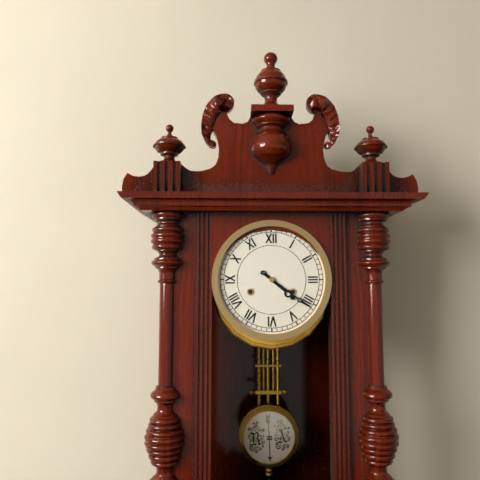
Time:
4:21
